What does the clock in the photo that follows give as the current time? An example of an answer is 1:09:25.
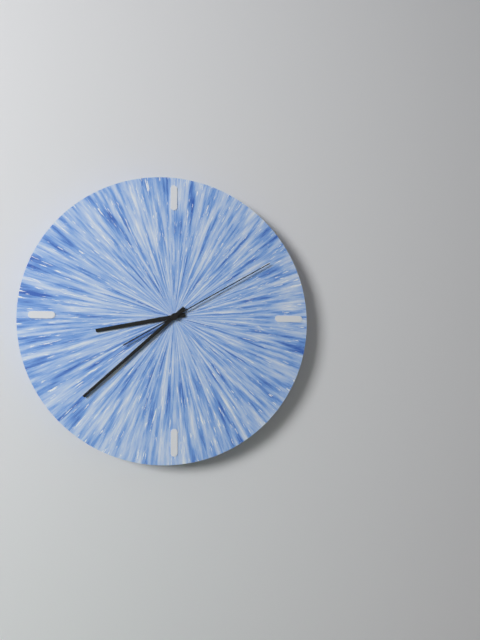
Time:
8:38:10
